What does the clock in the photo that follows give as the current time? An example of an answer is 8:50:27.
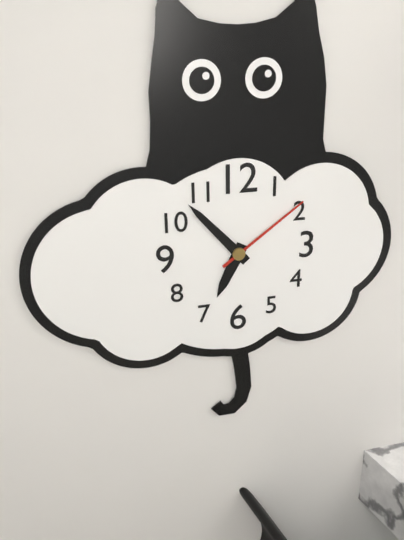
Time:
6:53:09
